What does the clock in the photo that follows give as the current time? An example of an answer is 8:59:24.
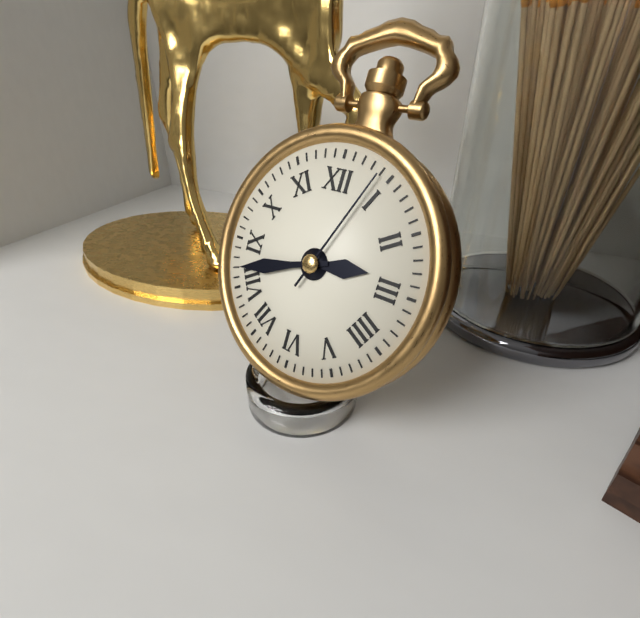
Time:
2:42:04
